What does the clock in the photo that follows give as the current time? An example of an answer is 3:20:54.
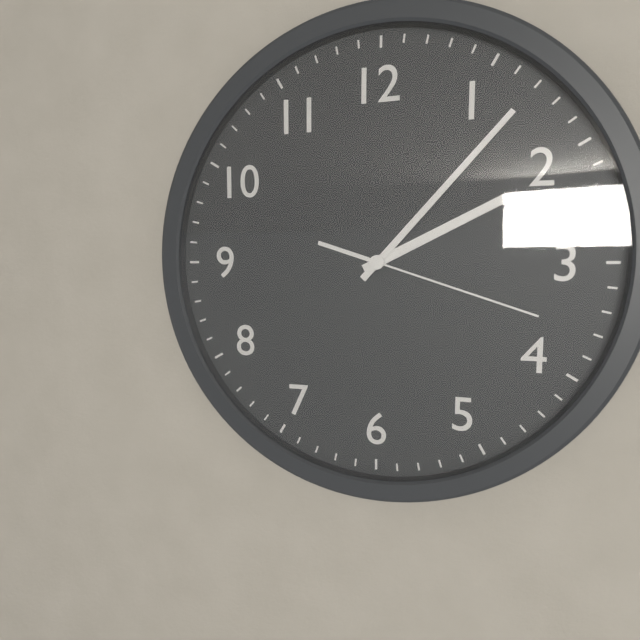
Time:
2:07:18
